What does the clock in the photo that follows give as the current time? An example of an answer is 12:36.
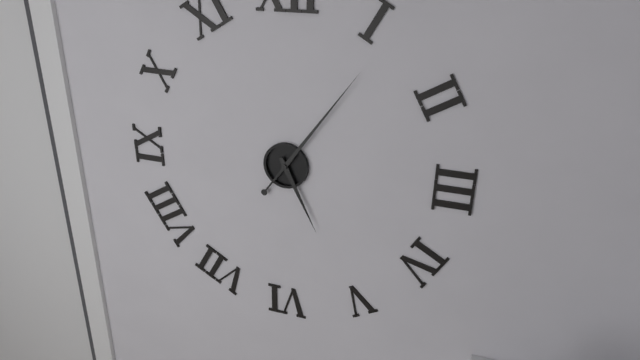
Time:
5:06
